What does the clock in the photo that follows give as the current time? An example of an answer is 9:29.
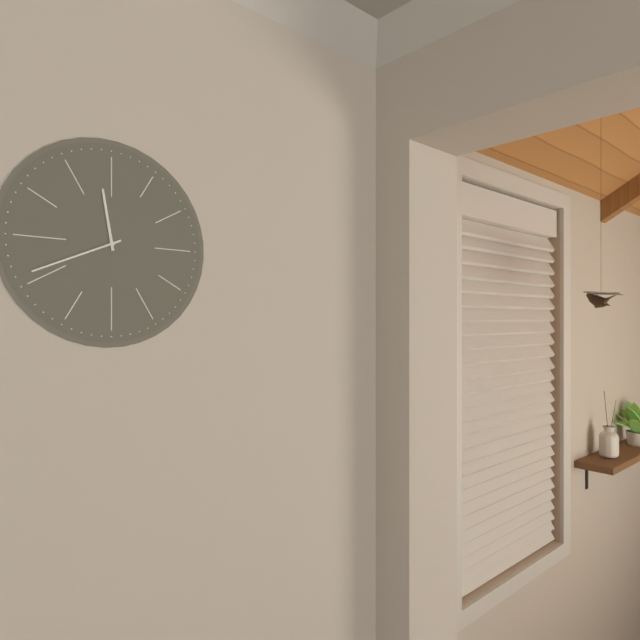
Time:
11:41
